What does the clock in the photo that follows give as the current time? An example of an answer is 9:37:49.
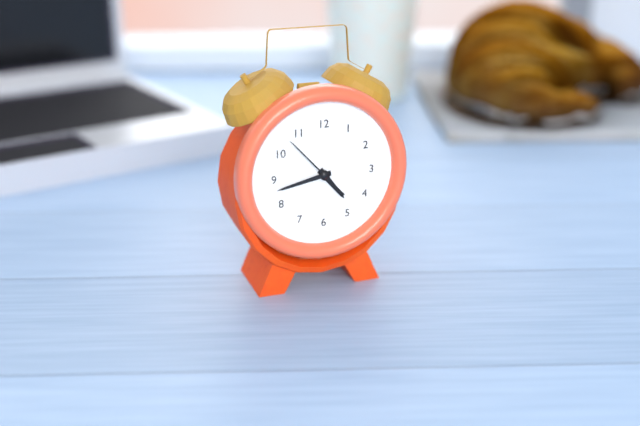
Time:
4:43:53
